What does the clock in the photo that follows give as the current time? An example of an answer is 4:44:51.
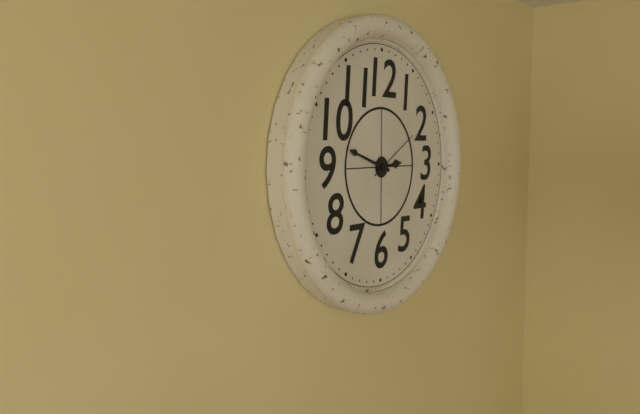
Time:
2:48:10
